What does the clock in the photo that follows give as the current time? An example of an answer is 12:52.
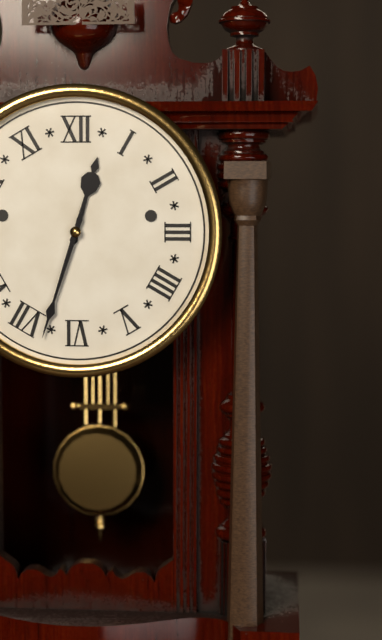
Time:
12:33
